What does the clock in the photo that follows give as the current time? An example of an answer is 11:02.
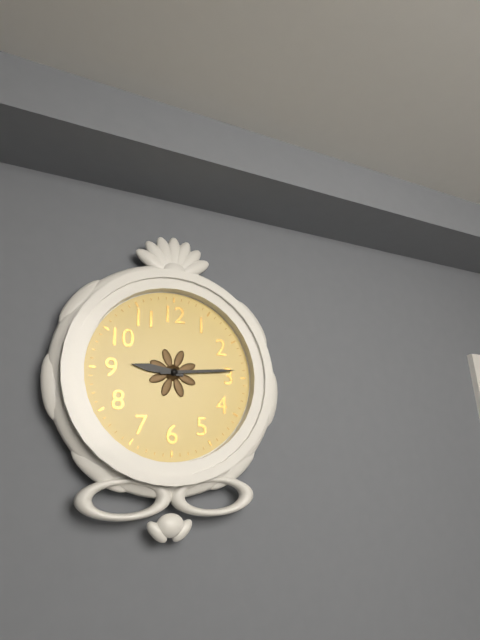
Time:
9:14
